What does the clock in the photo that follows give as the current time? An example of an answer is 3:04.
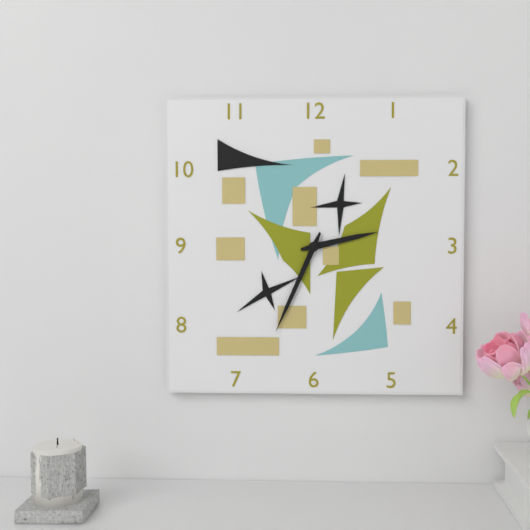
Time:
2:34
